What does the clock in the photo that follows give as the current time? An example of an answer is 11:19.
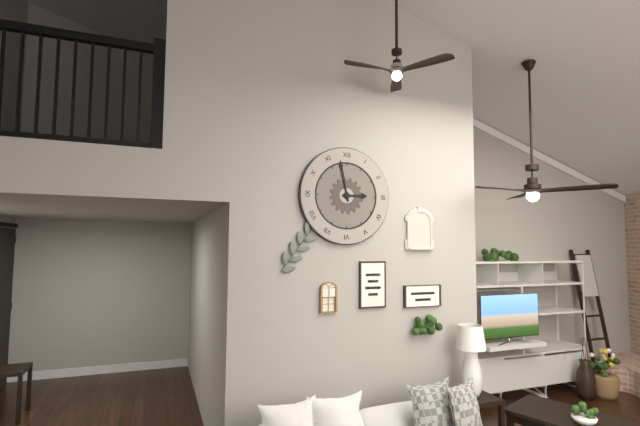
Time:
2:58
